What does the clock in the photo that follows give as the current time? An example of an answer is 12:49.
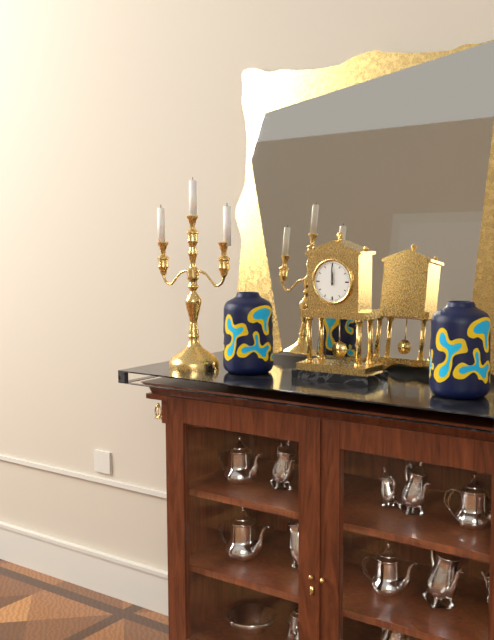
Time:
12:00
